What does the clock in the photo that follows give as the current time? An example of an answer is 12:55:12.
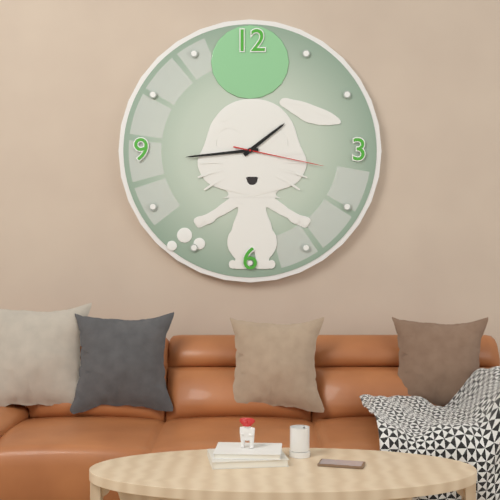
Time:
1:44:17
